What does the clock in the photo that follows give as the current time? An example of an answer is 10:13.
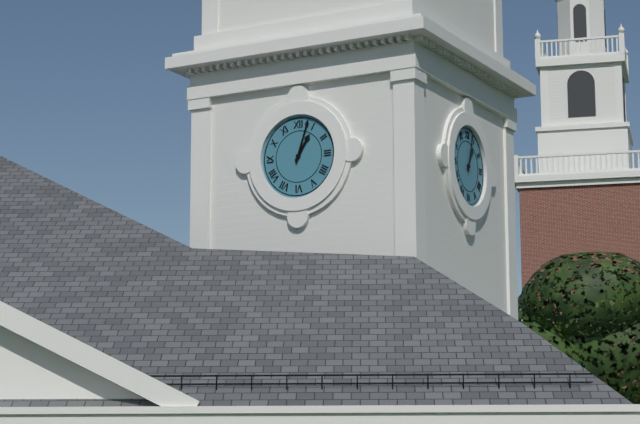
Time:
1:03
